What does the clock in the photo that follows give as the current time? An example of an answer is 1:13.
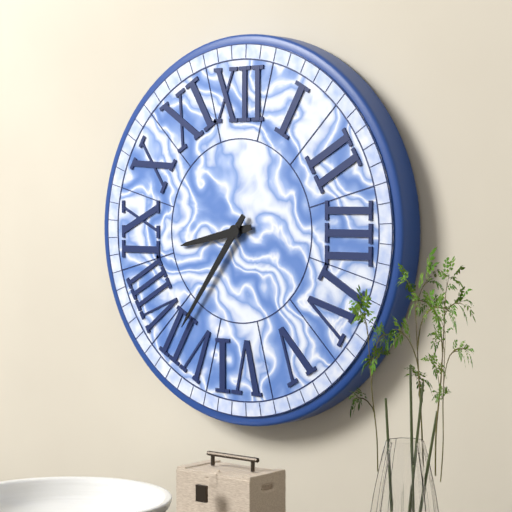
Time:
8:36
